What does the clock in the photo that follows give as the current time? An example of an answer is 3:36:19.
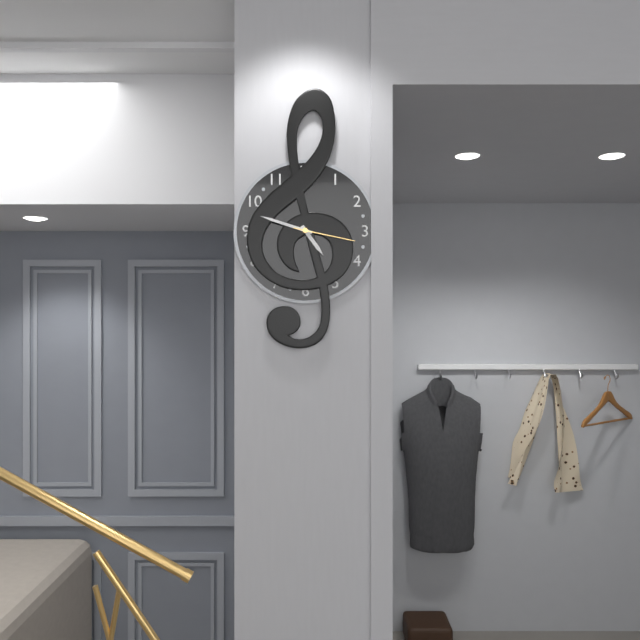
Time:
4:48:17
